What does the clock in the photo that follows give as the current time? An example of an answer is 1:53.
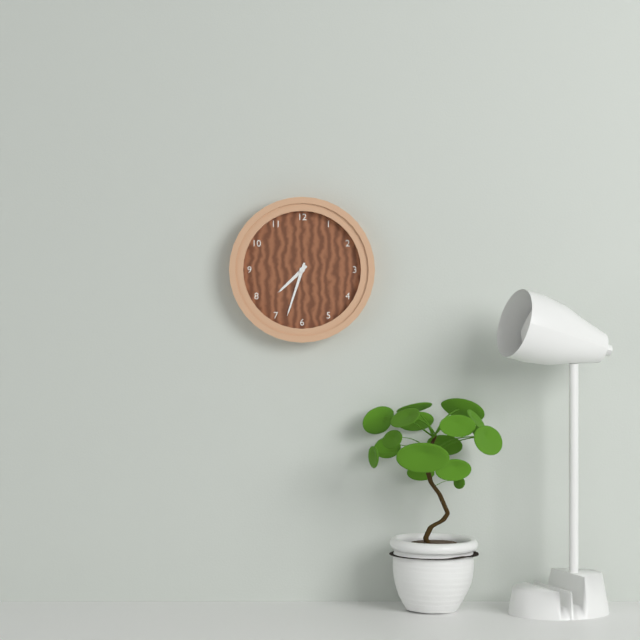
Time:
7:33
